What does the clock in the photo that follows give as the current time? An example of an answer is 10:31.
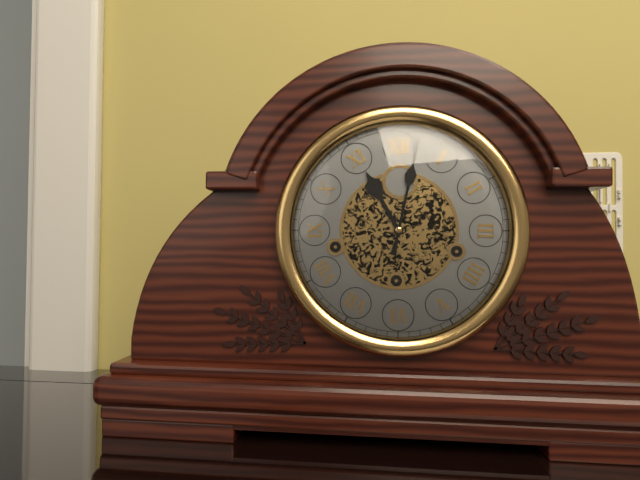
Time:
11:02
